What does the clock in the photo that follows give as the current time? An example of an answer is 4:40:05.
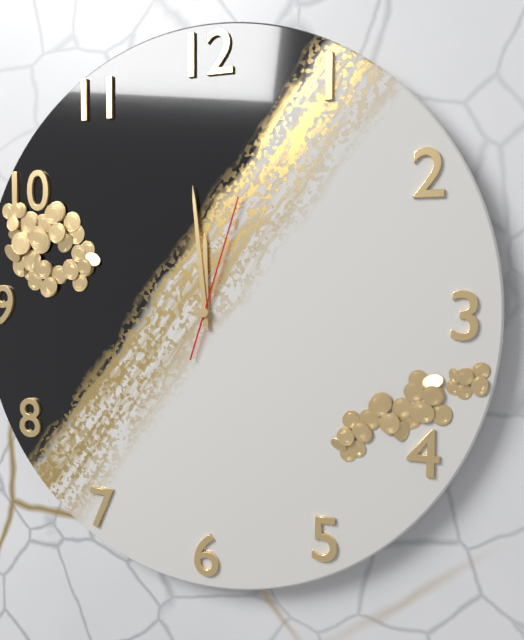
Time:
11:59:03
